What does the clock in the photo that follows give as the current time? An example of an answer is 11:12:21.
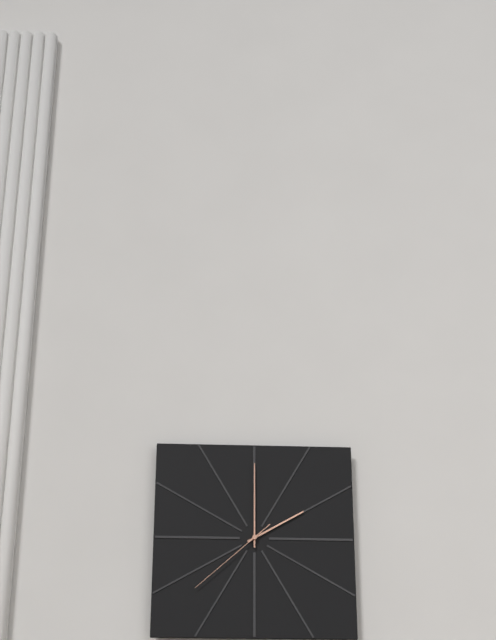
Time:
2:00:38
